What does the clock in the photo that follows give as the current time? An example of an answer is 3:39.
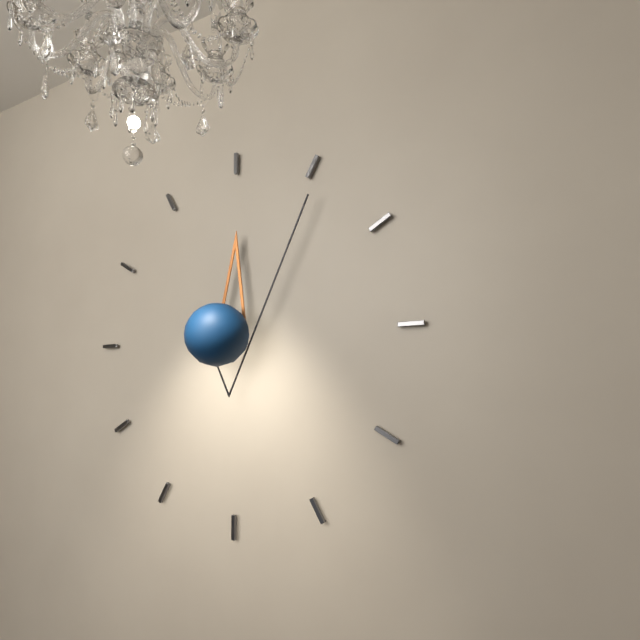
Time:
12:06
